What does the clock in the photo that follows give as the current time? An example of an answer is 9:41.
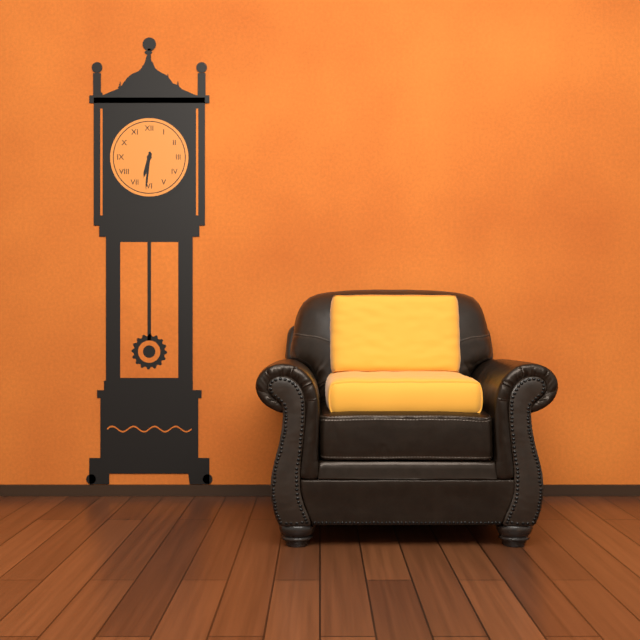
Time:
6:31
